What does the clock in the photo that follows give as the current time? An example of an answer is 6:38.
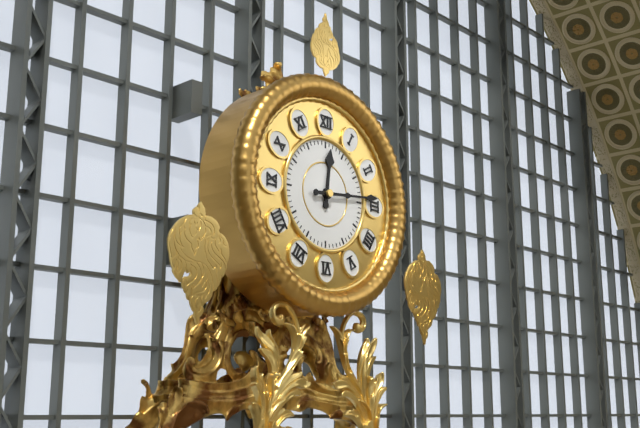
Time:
12:14
